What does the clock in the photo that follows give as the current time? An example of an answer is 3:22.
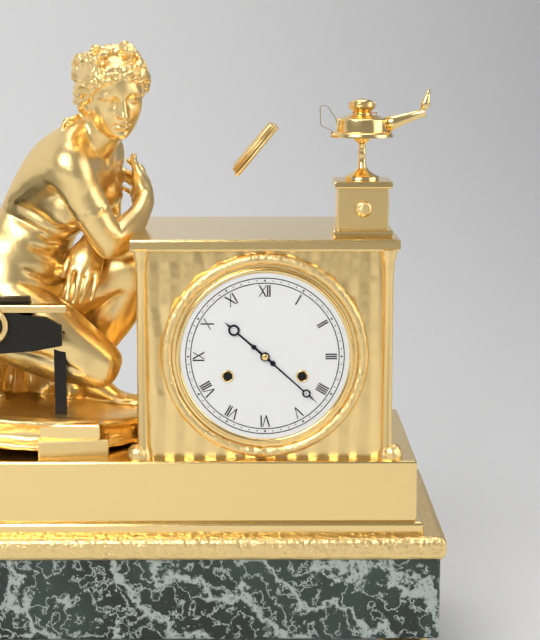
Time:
10:22
